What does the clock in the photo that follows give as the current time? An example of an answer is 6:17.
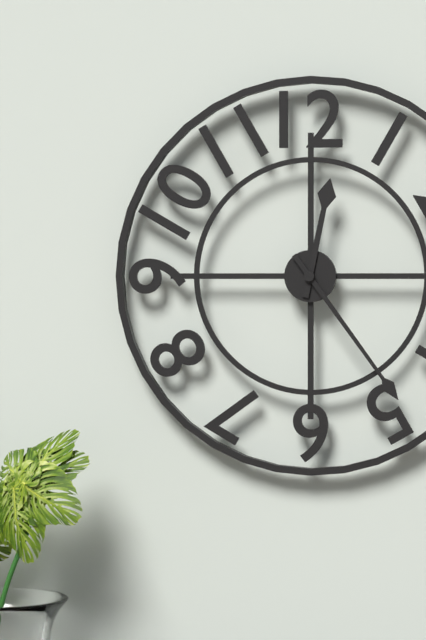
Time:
12:24
